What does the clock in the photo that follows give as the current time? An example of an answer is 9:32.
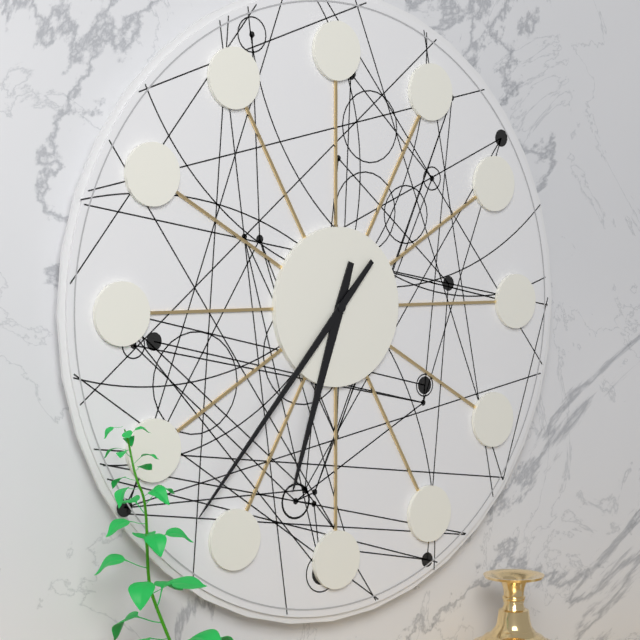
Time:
6:37
